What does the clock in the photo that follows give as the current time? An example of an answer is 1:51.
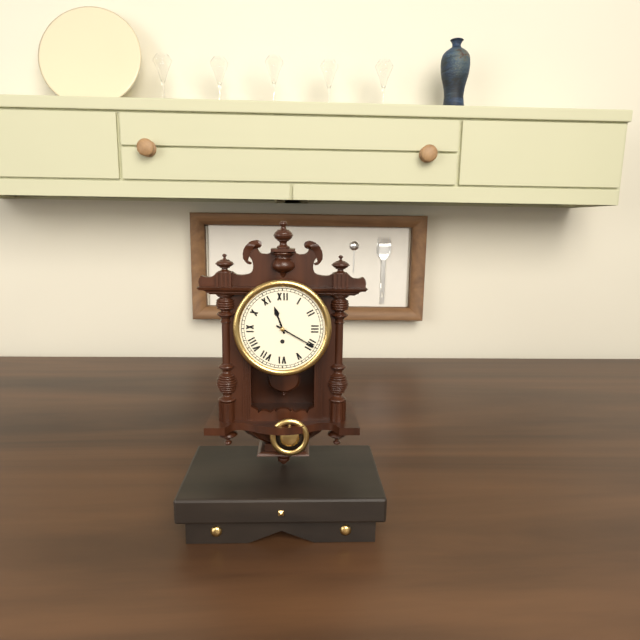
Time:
11:20
